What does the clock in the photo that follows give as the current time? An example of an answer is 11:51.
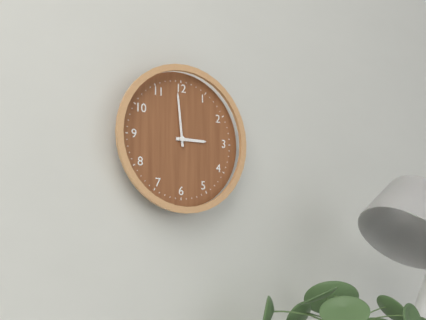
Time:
2:59
